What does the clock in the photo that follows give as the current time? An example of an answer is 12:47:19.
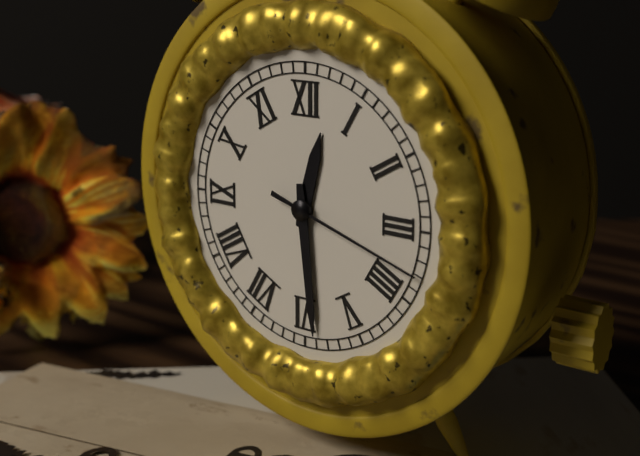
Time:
12:29:18
